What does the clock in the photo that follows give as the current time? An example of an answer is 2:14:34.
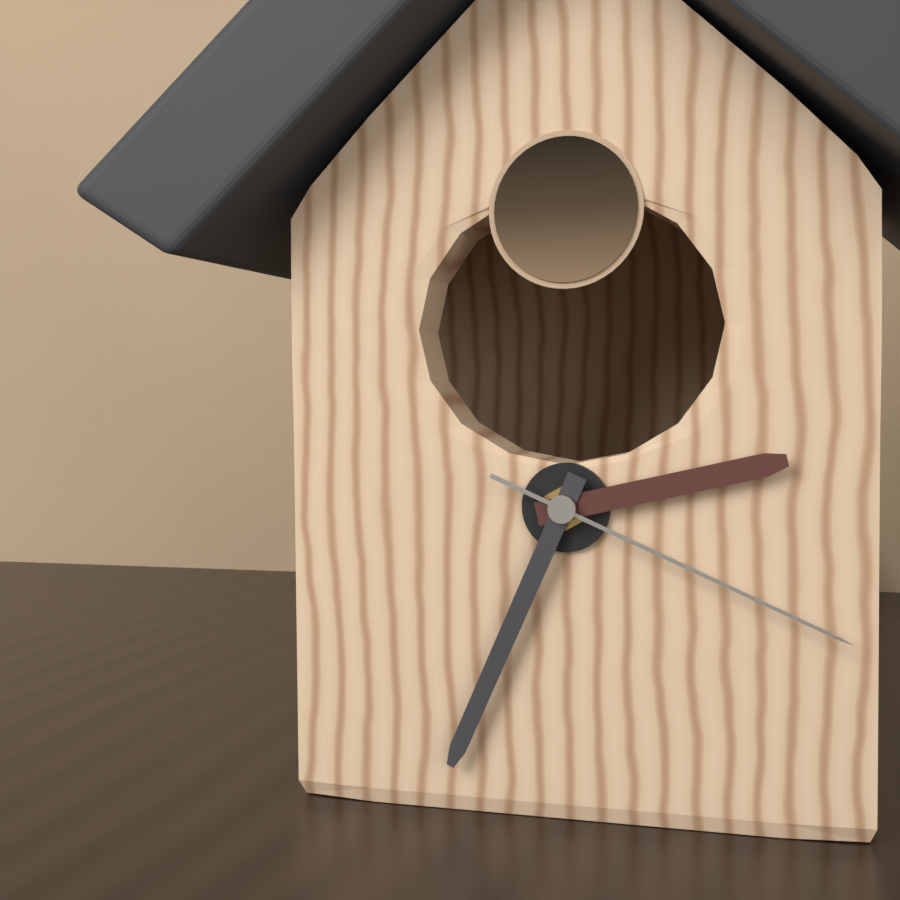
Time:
2:34:19
